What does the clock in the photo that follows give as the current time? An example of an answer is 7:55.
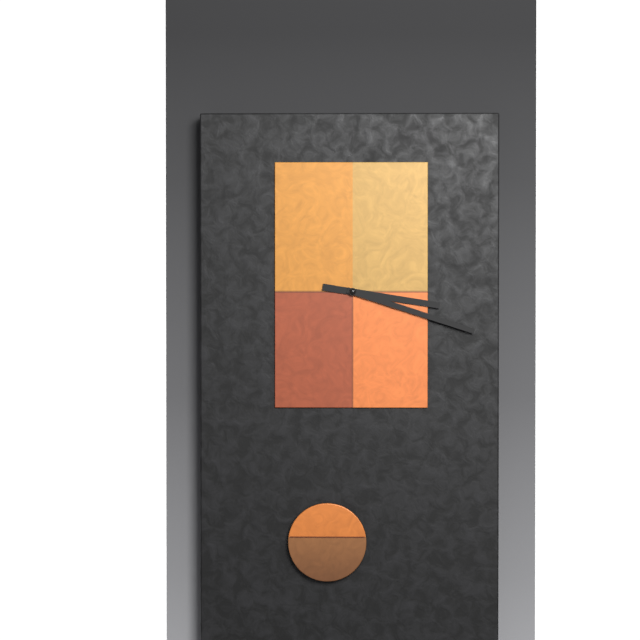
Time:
3:18
